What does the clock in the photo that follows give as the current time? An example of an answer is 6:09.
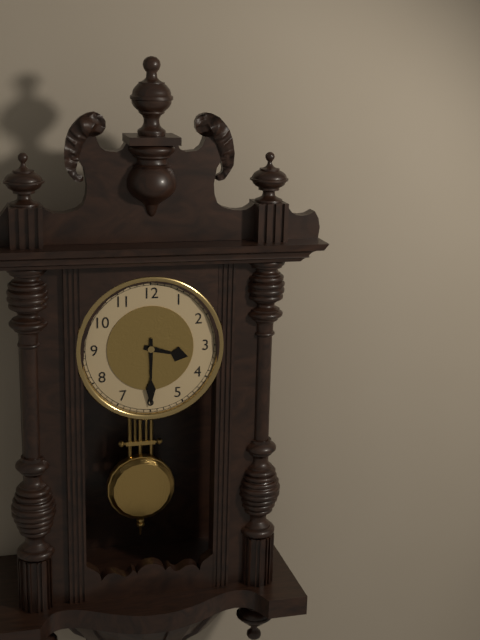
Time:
3:30
